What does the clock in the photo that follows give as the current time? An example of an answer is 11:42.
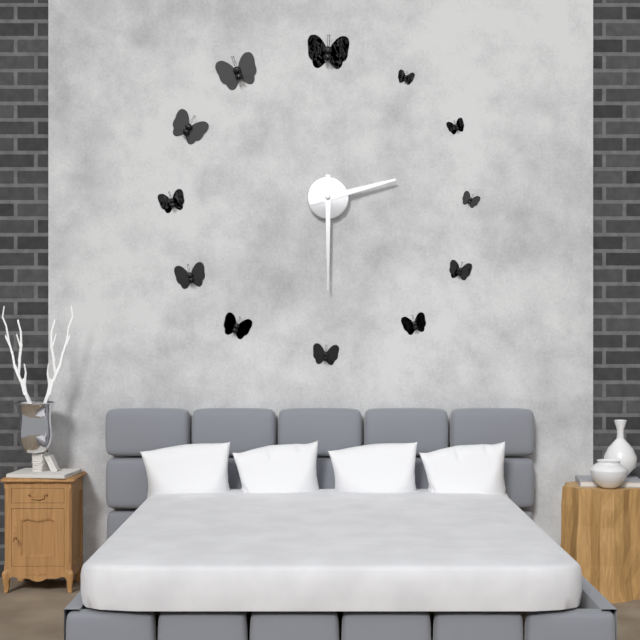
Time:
2:30
